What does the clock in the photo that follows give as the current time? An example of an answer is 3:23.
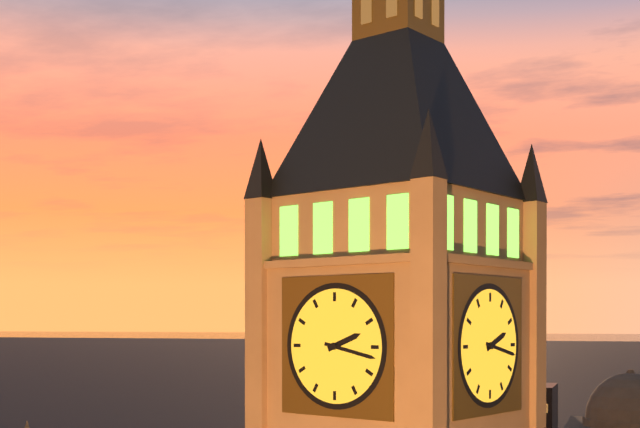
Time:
2:17
